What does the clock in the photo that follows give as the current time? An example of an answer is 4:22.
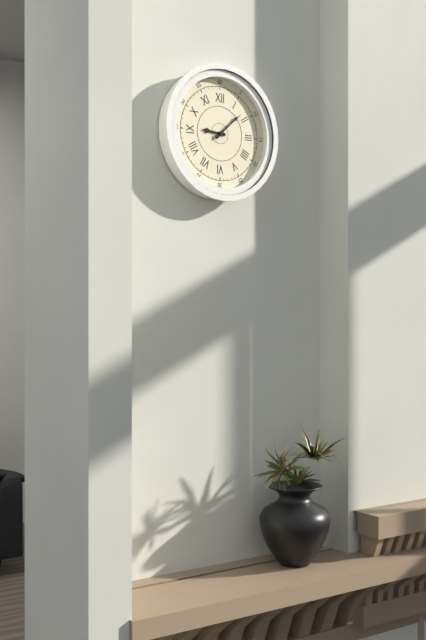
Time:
9:08
